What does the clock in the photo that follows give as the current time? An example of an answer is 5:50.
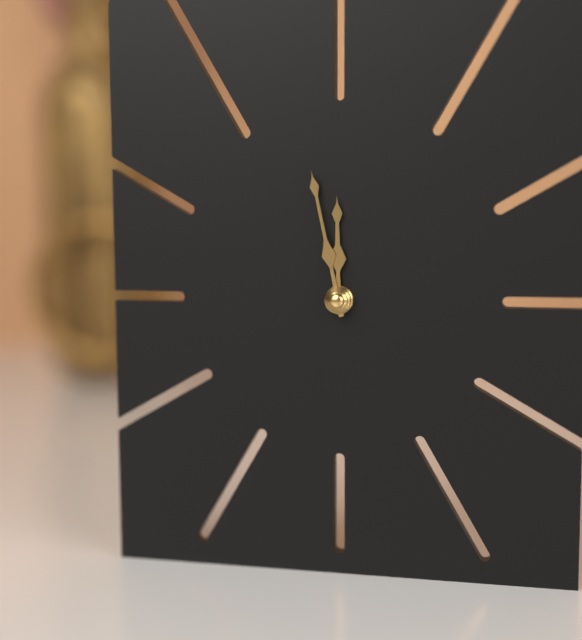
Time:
11:58
